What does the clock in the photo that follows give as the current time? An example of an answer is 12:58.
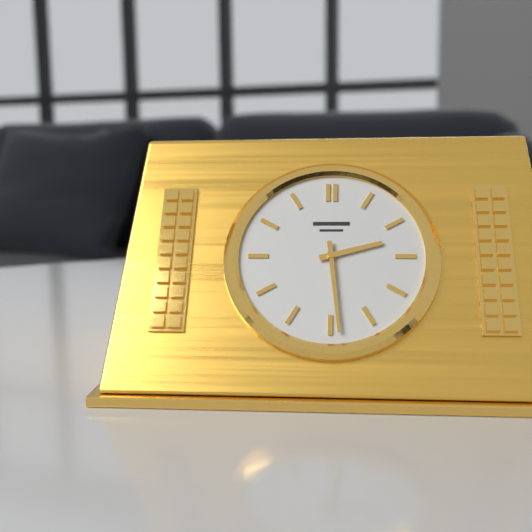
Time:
2:29
